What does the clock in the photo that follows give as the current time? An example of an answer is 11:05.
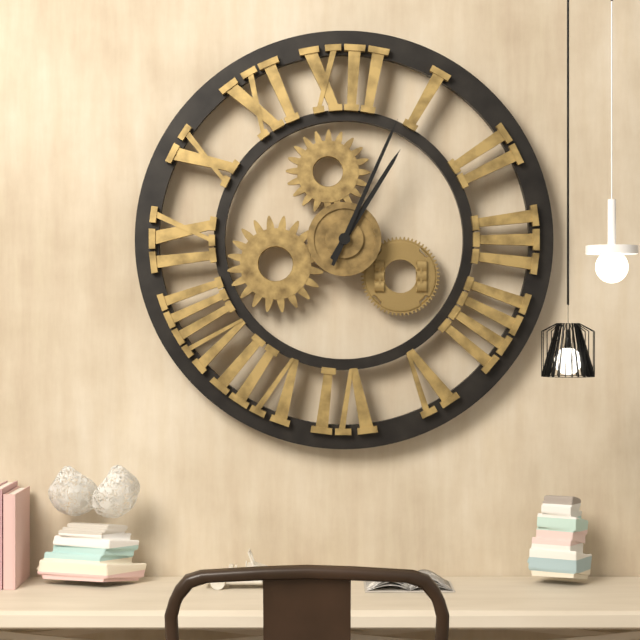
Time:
1:04
